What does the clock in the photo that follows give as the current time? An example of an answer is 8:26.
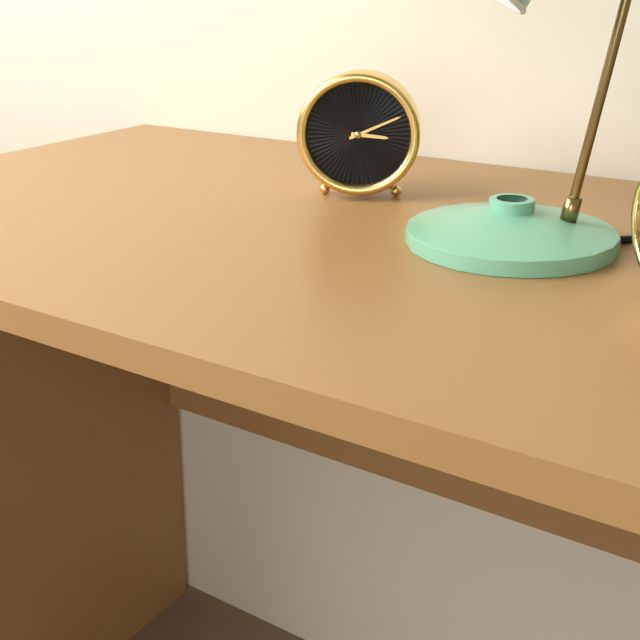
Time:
3:11
